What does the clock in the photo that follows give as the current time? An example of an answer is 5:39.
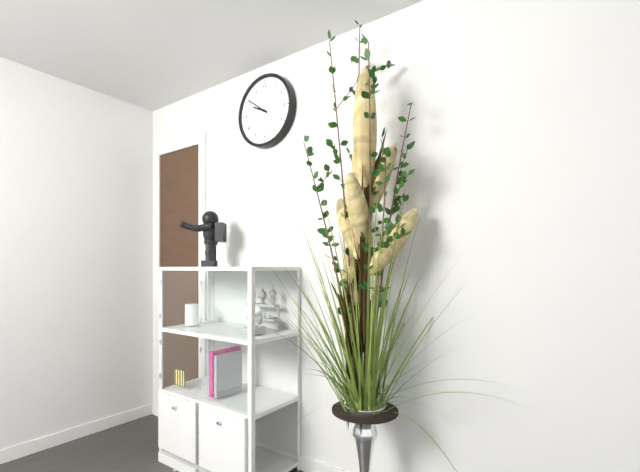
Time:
9:51
